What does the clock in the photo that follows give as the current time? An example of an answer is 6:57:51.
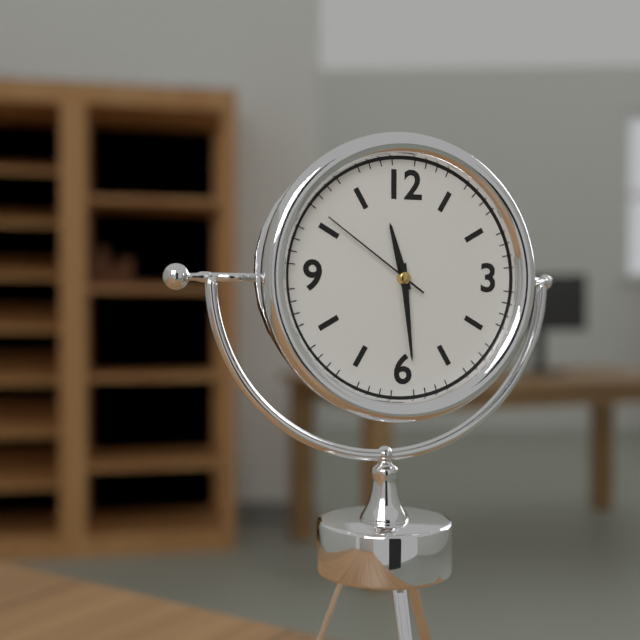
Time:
11:29:51
